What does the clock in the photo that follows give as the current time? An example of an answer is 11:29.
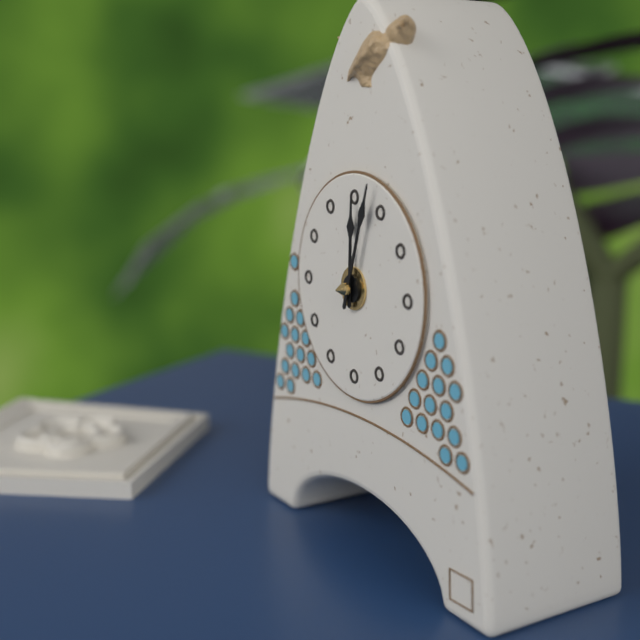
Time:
12:03
